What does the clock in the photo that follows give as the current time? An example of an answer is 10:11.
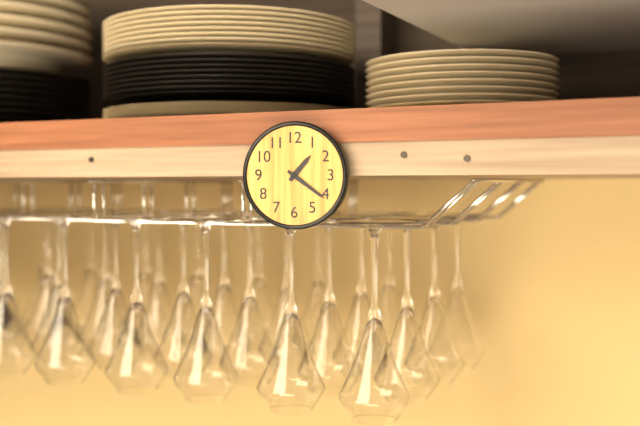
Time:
1:21
